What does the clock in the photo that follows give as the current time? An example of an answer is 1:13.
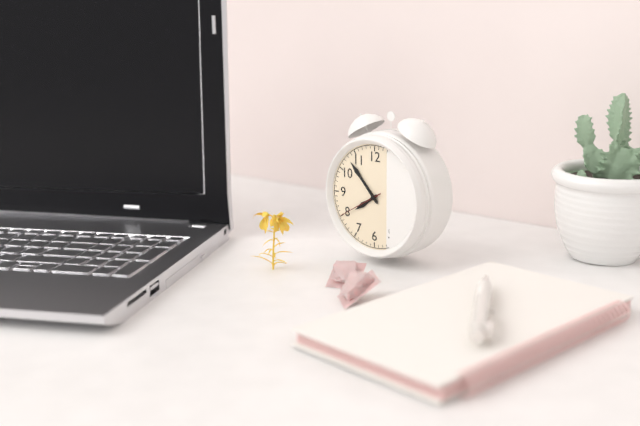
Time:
7:53
